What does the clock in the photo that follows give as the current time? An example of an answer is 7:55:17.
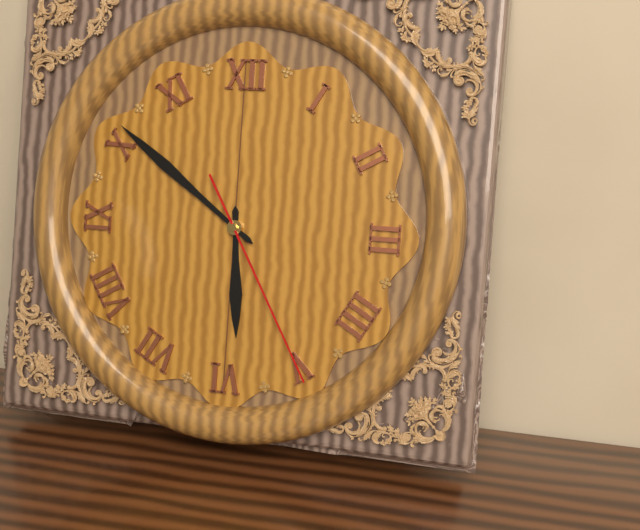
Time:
5:51:25
